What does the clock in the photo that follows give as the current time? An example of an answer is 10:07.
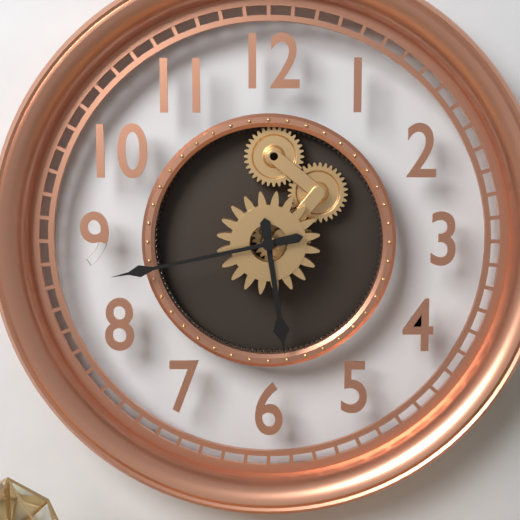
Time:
5:43
